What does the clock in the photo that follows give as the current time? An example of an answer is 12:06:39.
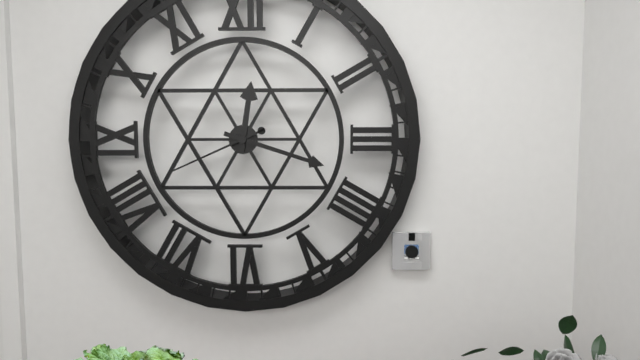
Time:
12:18:41
